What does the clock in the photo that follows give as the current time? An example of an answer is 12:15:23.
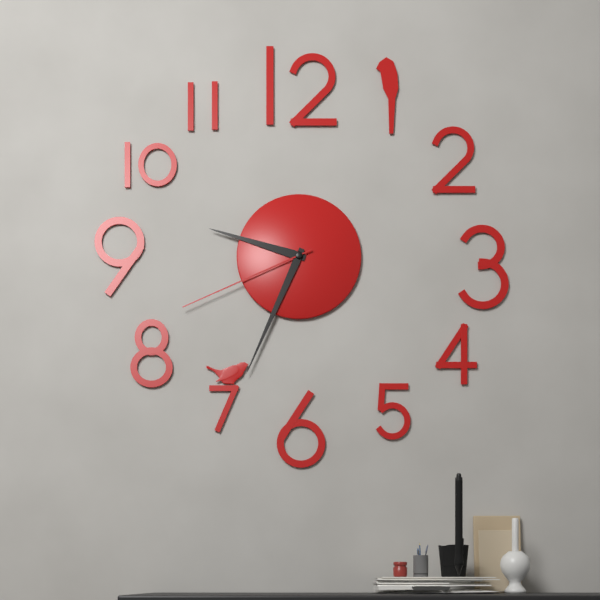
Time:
9:34:41
